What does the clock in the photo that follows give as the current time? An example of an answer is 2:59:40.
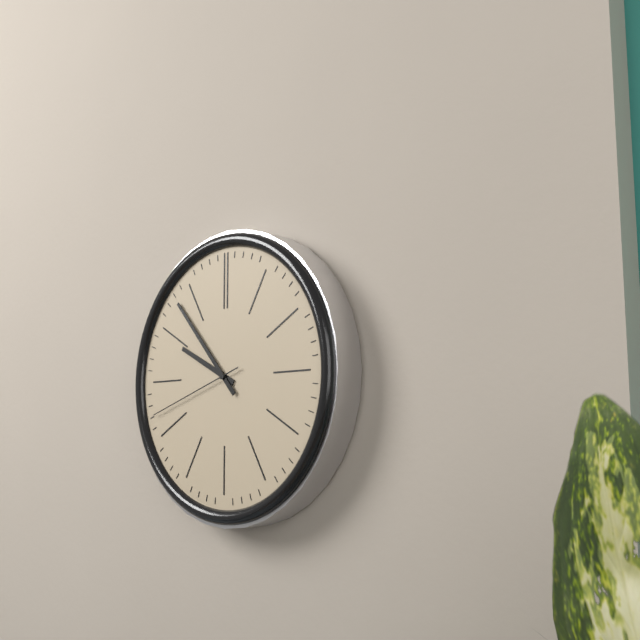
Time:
9:53:42
